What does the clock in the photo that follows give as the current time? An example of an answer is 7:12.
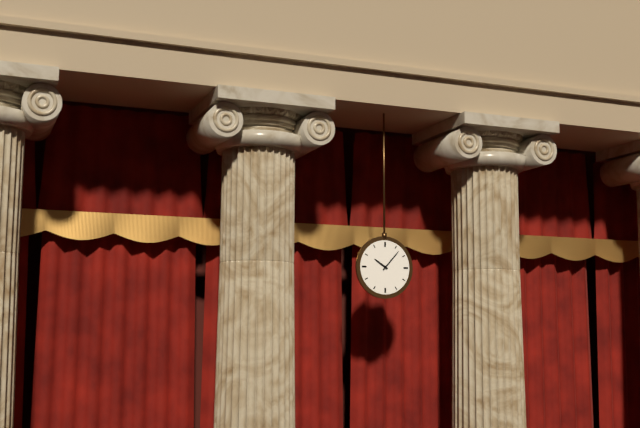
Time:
10:07
